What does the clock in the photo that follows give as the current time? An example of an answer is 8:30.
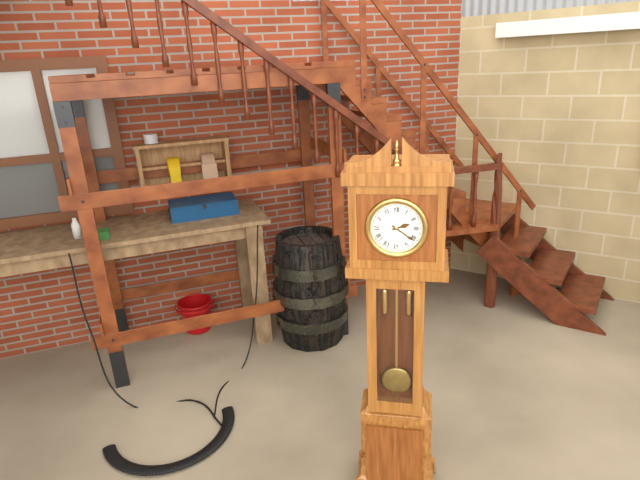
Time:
2:21
